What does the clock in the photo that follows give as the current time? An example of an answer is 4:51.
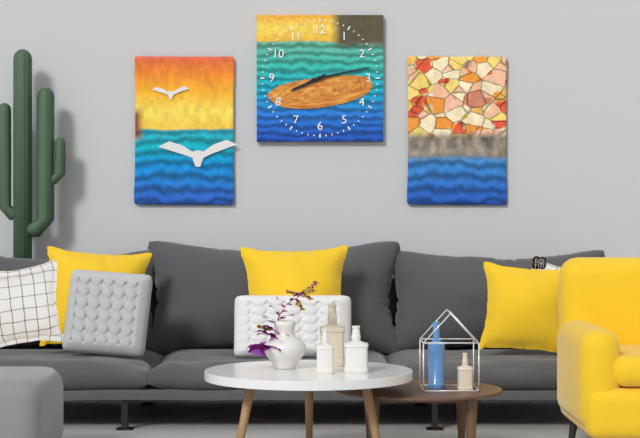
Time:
8:13
